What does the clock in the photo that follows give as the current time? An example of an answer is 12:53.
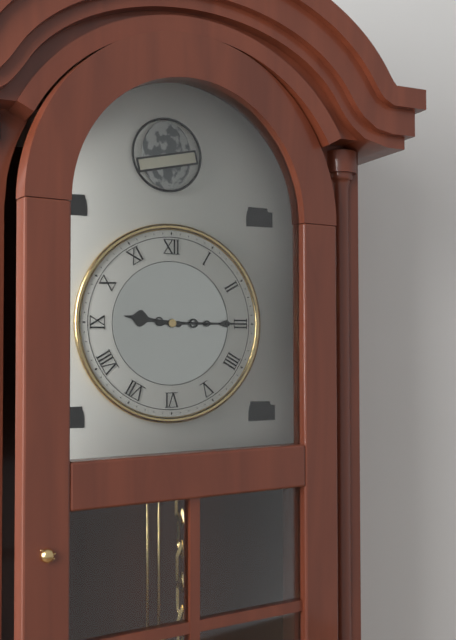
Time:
9:15
